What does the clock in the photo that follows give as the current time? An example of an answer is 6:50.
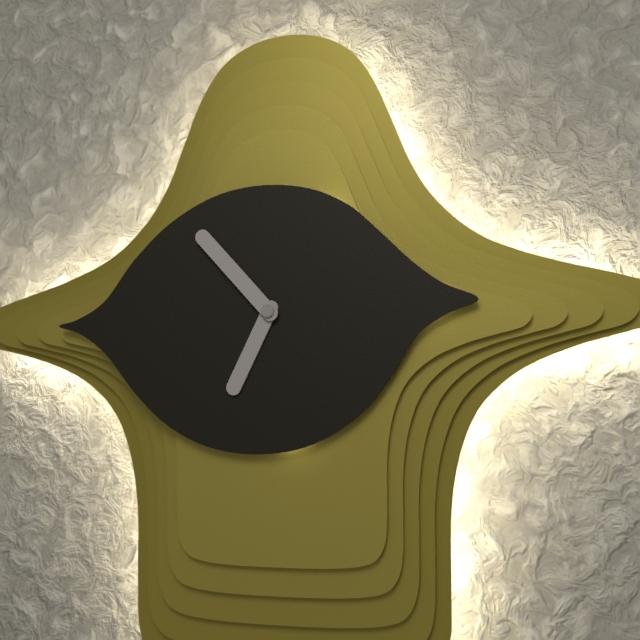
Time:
6:53
